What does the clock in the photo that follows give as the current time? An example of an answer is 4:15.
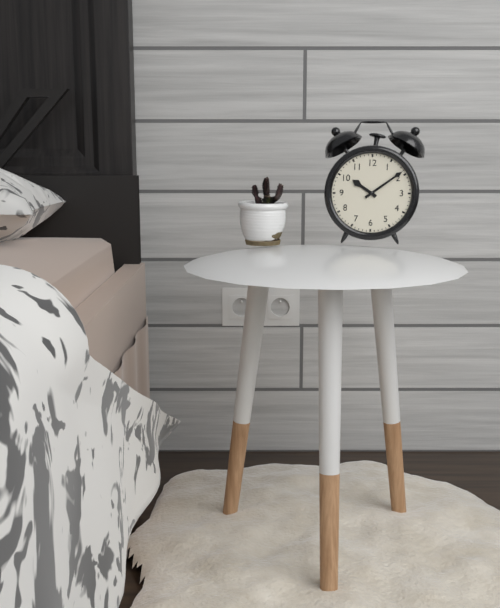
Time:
10:09
